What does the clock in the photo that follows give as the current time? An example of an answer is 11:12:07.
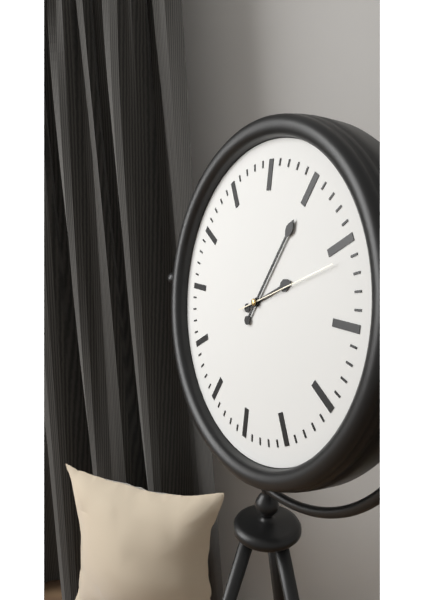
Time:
2:05:11
